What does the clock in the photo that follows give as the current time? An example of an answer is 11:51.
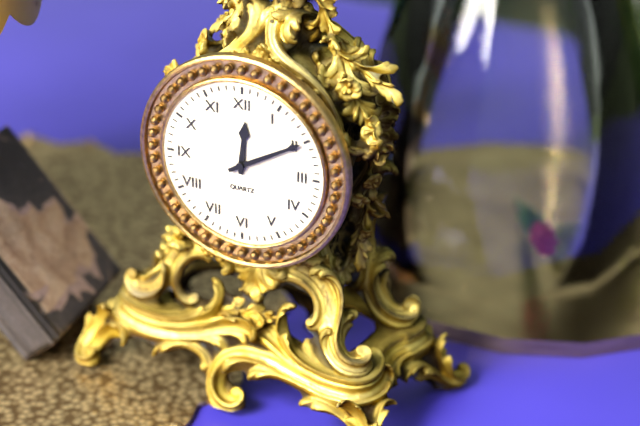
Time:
12:10
